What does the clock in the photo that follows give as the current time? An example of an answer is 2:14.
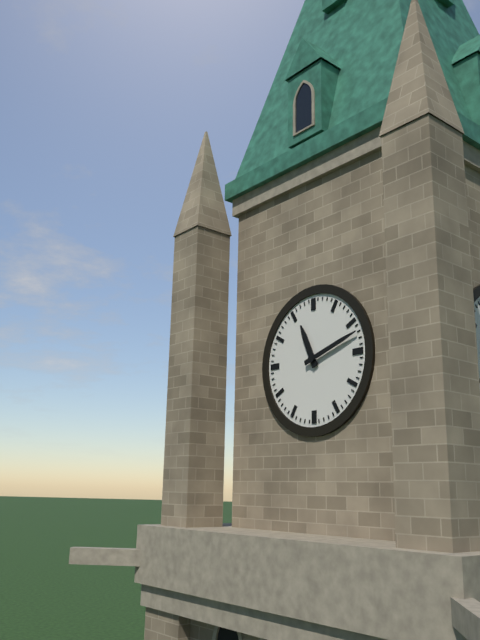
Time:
11:12
